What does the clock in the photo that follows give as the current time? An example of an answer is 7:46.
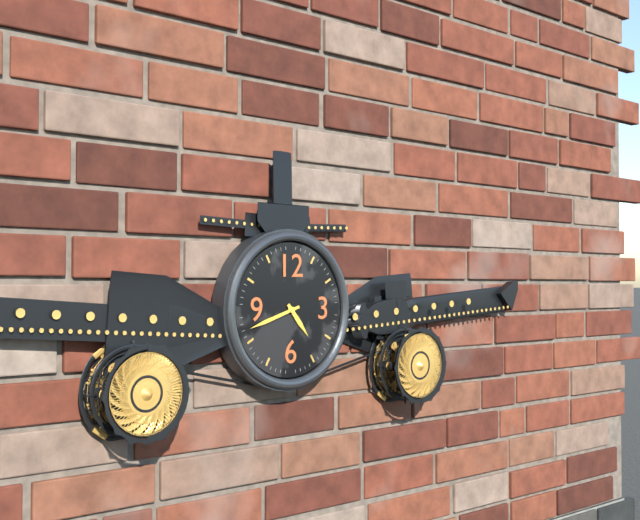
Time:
4:42
